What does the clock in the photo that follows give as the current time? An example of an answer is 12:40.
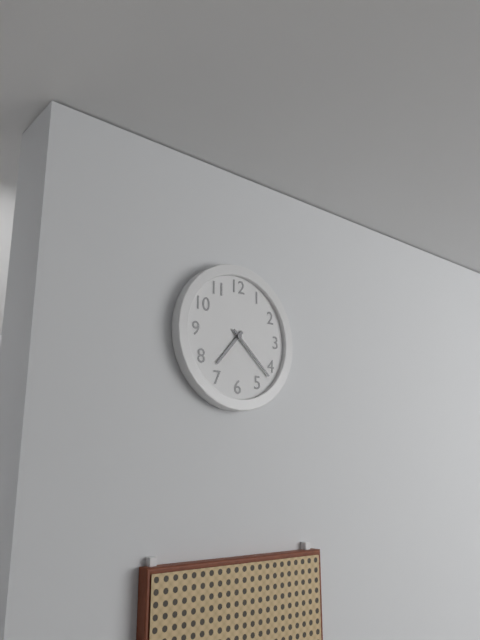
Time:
7:22
